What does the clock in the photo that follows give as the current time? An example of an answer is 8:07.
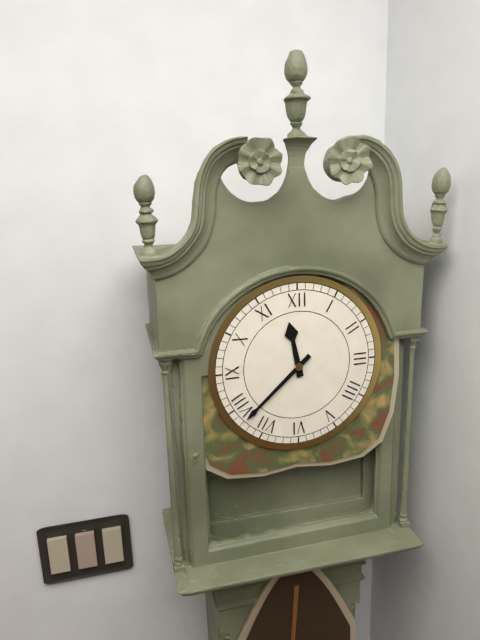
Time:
11:38
